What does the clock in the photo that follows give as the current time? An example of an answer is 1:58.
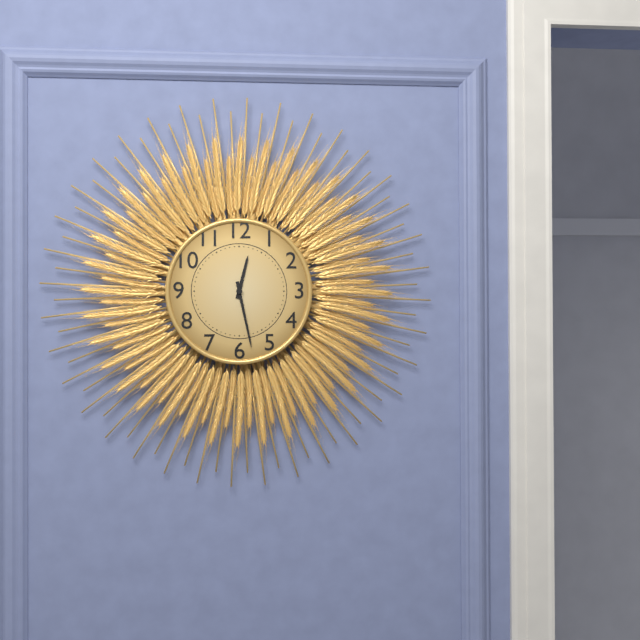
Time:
12:28
